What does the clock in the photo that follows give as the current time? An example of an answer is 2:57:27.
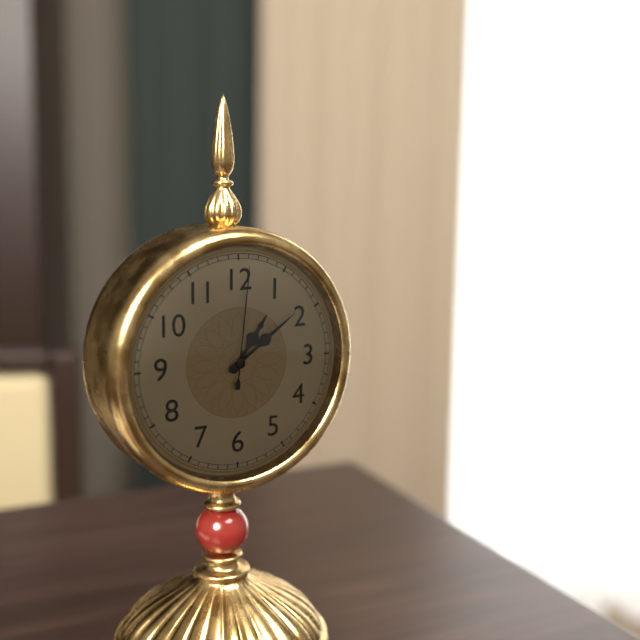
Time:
1:09:01
